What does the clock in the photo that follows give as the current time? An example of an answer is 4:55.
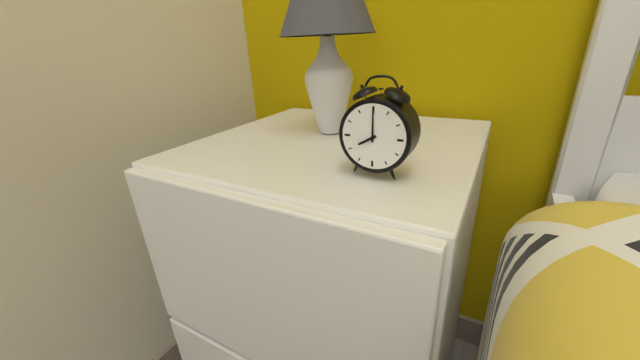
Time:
8:00
